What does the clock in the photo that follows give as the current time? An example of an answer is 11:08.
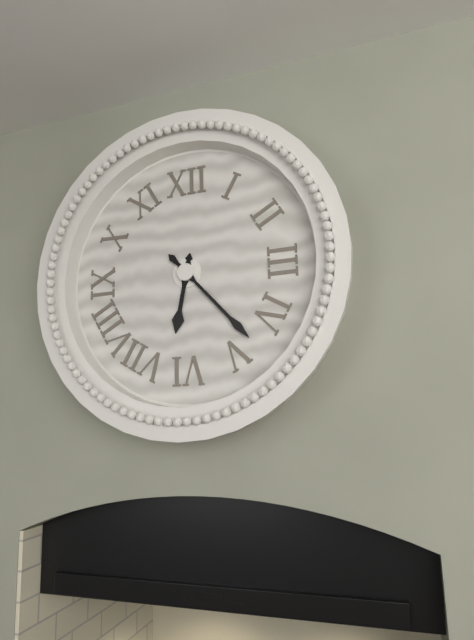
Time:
6:23
